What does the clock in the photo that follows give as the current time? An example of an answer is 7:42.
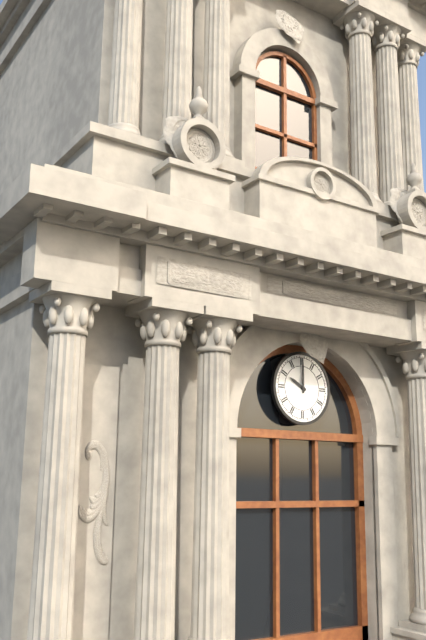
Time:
10:00
